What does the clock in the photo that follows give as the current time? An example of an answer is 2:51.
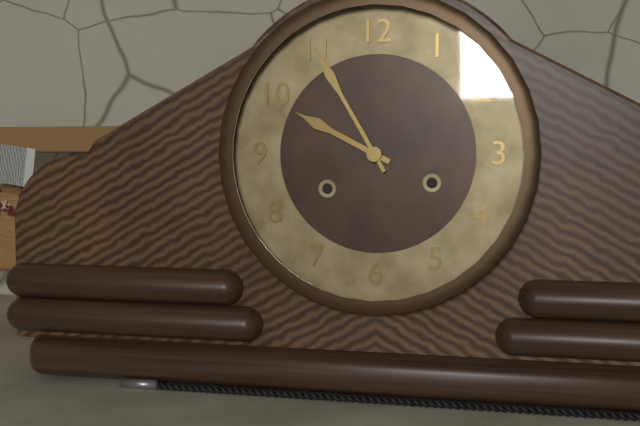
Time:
9:55
